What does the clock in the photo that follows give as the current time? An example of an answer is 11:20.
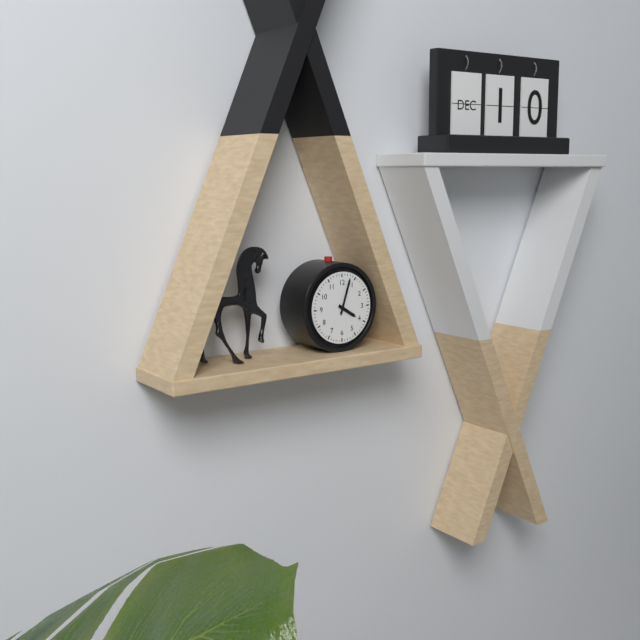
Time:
4:03
